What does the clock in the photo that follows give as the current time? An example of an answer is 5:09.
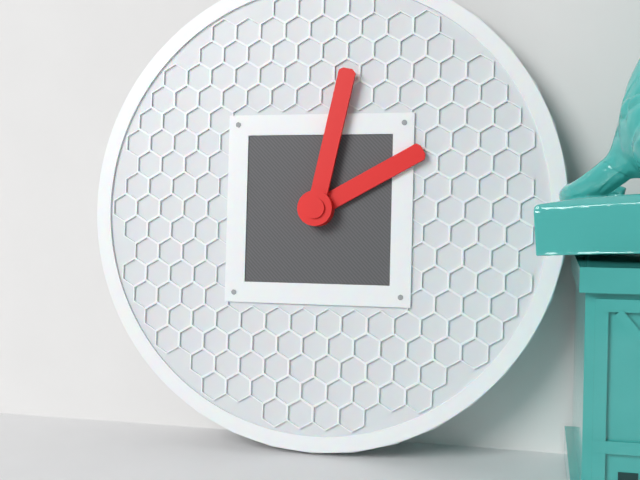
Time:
2:02
